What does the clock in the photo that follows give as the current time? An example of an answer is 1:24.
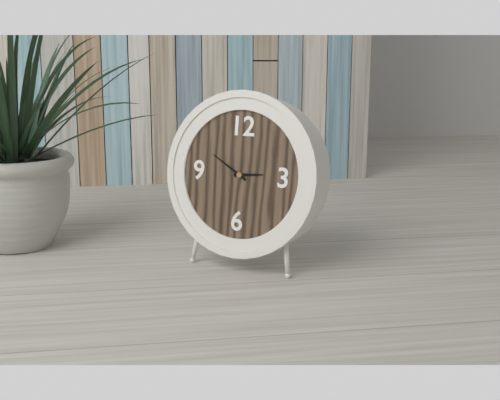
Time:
2:50
